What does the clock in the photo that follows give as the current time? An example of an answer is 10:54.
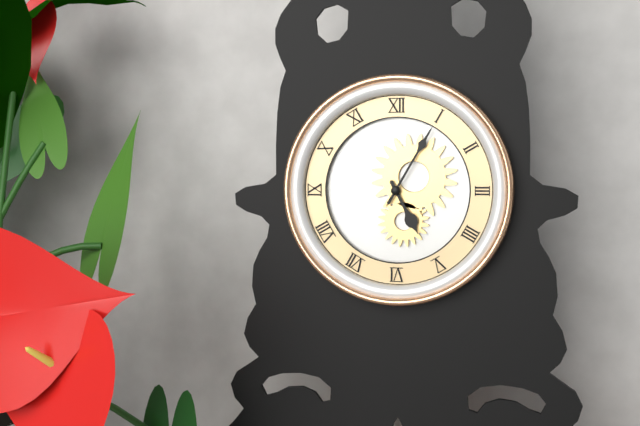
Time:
5:05
